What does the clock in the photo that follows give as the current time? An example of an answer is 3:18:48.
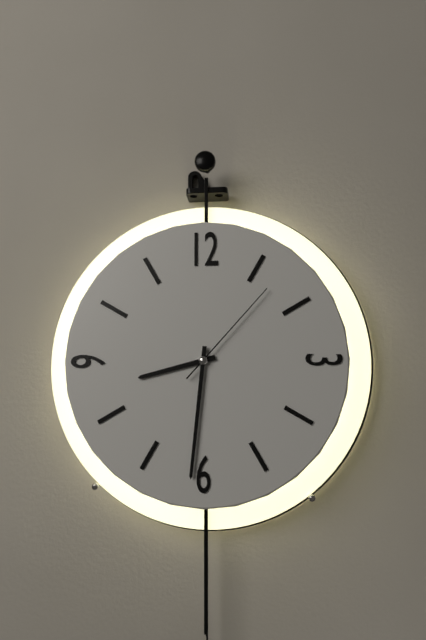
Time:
8:31:07
